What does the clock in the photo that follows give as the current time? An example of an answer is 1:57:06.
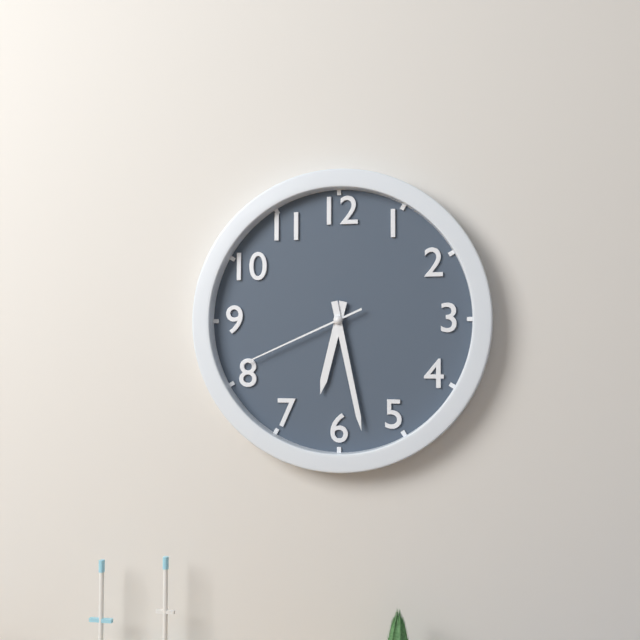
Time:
6:28:41
